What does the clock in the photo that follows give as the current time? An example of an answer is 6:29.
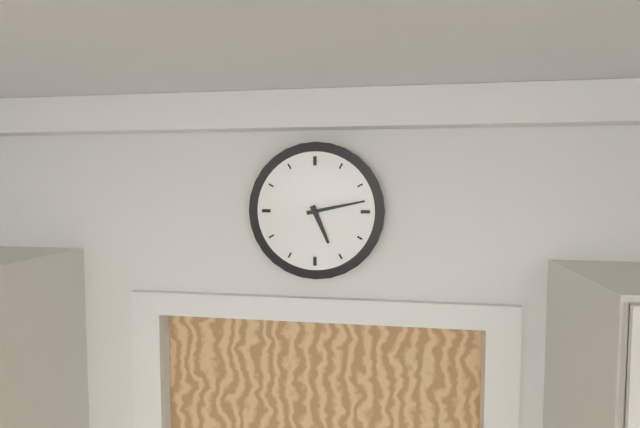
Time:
5:13
